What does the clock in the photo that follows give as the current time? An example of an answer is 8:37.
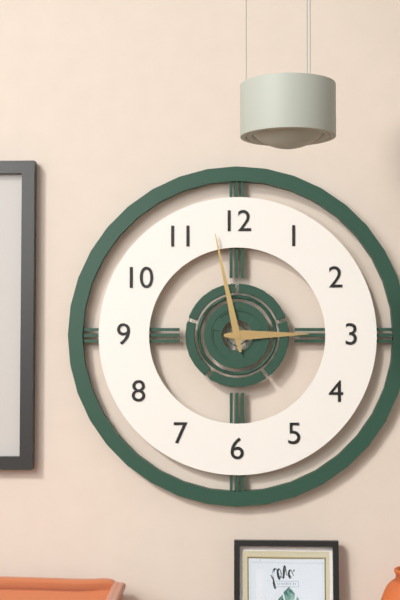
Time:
2:58
